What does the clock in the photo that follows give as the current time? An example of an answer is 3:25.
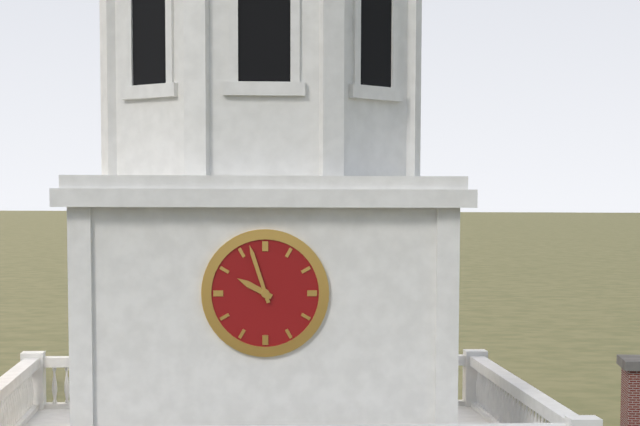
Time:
9:57
